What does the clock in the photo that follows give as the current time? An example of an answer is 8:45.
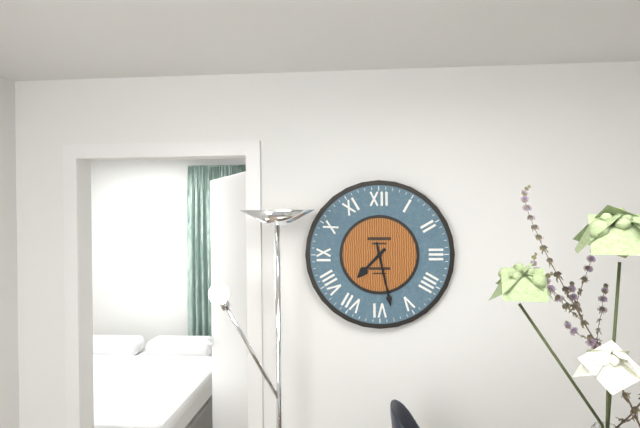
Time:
7:28
